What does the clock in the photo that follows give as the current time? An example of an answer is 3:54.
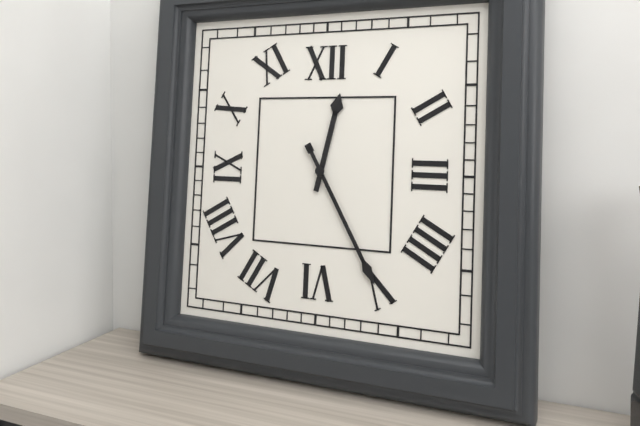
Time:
12:25
